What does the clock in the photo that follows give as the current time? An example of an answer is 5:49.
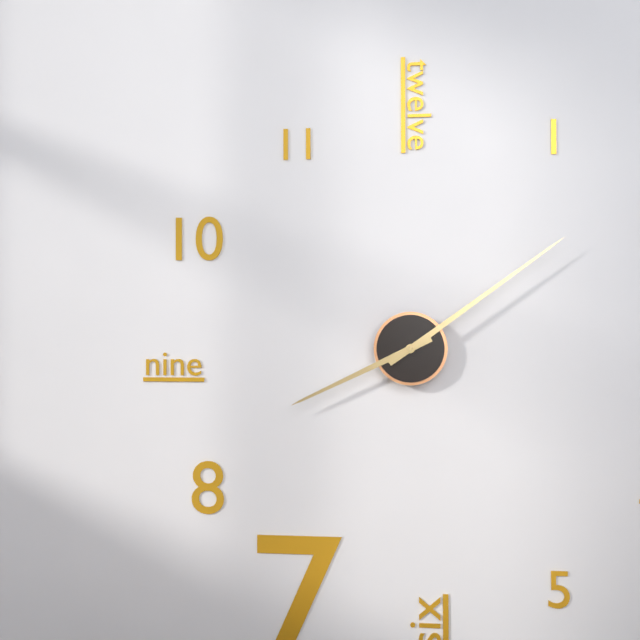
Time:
8:09
